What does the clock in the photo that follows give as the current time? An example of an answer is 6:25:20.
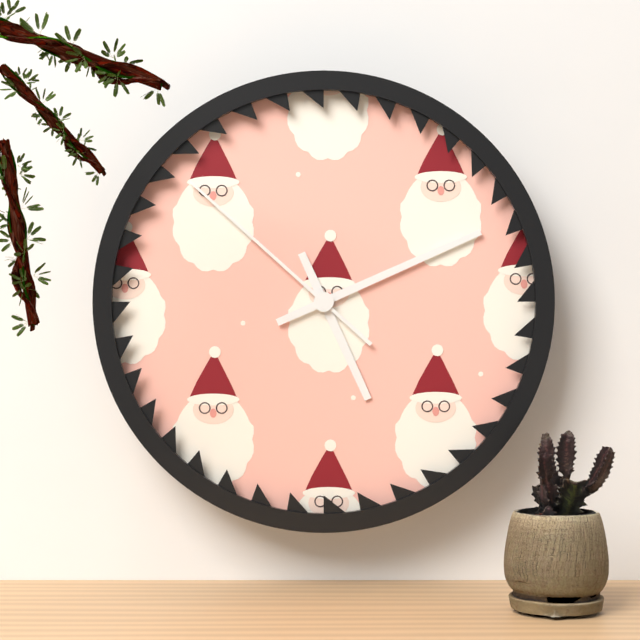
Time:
5:11:52
